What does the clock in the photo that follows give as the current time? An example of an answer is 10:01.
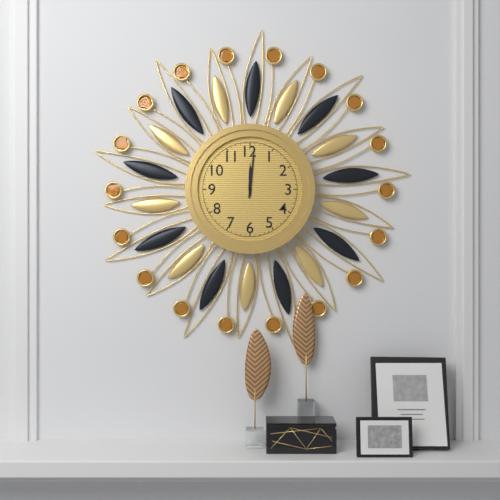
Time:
12:01
